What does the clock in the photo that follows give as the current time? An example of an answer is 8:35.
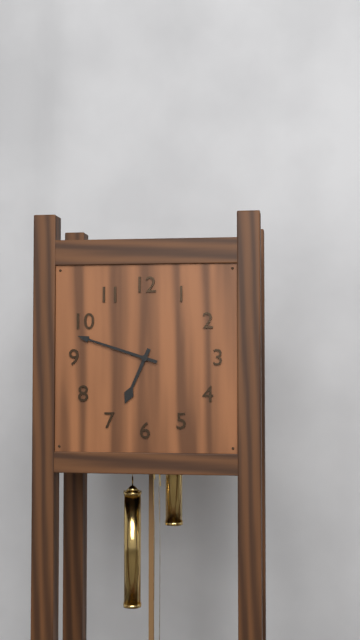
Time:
6:48
